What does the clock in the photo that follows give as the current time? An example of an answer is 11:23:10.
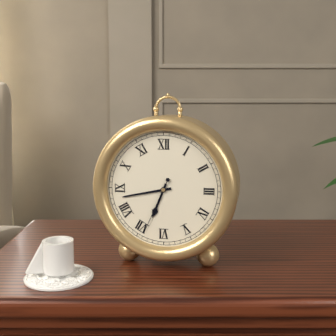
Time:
6:43:34
